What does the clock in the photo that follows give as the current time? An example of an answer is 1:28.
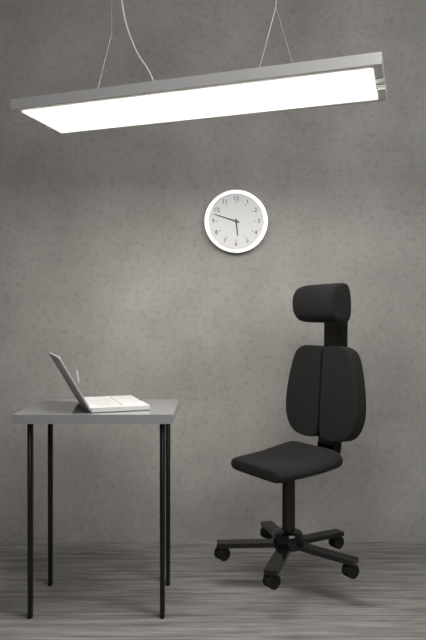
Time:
5:48
